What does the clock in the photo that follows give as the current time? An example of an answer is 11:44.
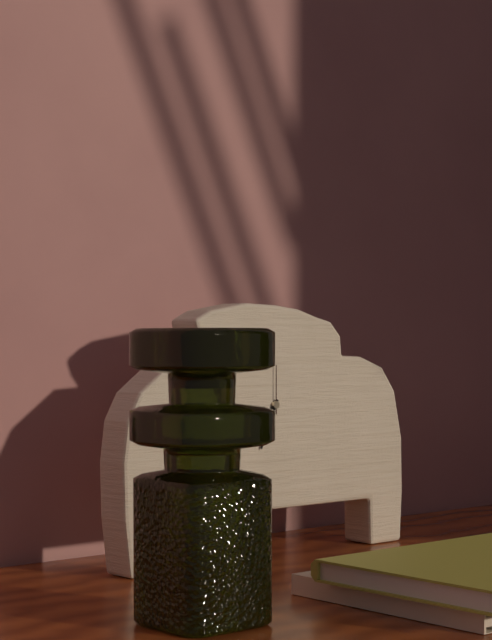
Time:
7:34
